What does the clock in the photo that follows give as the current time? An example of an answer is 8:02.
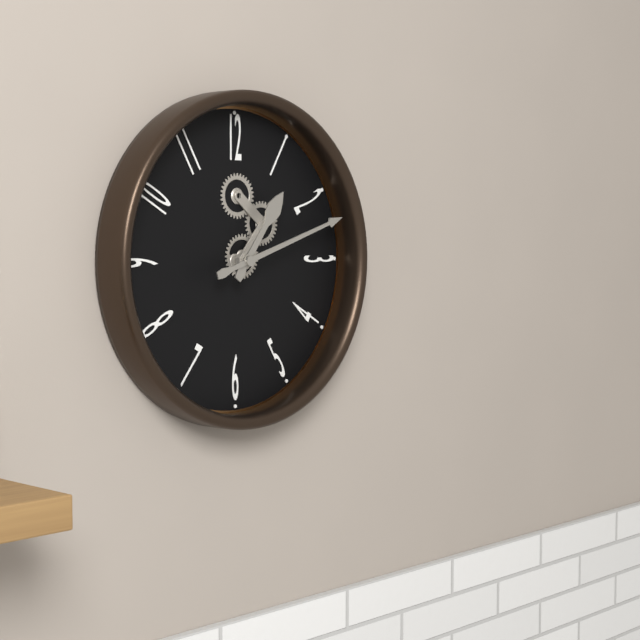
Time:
1:12
